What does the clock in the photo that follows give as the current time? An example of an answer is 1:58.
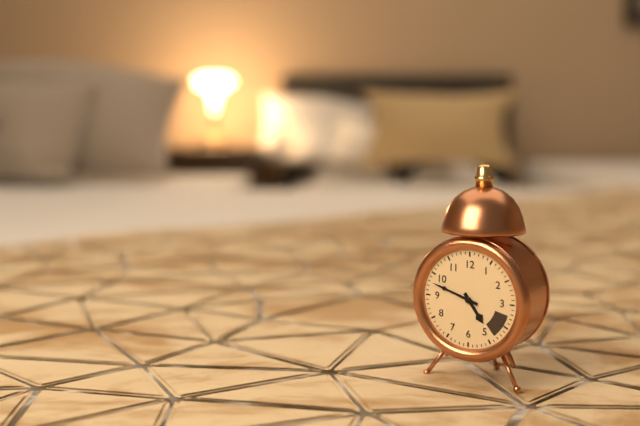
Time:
4:48
